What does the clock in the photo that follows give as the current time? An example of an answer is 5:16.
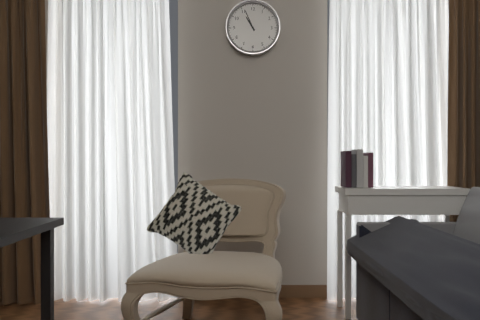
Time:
10:56
